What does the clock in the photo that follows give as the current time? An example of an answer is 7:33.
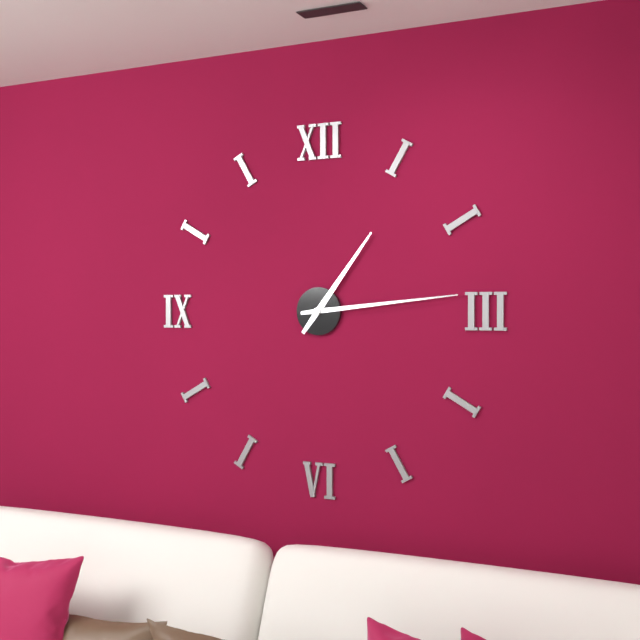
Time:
1:14
